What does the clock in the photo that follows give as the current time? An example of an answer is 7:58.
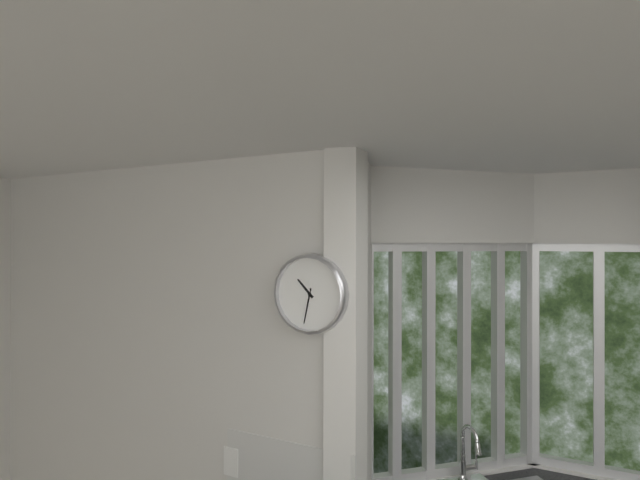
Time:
10:32
